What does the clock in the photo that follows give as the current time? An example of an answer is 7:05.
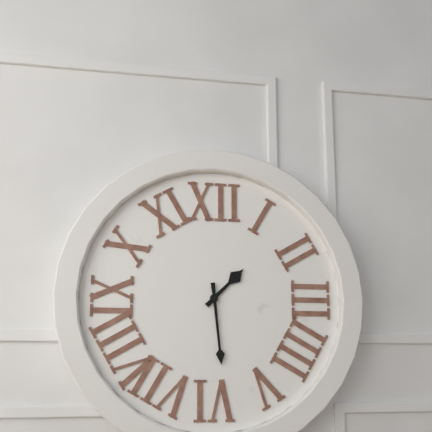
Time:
1:29
